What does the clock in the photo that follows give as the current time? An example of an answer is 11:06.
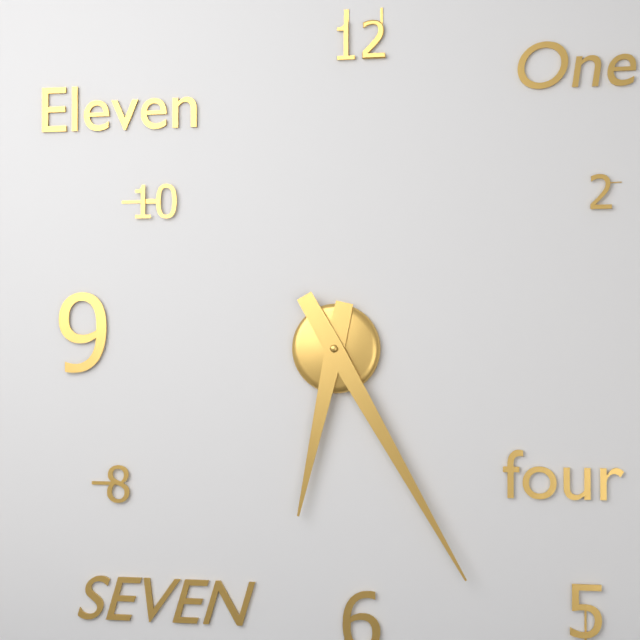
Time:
6:25
